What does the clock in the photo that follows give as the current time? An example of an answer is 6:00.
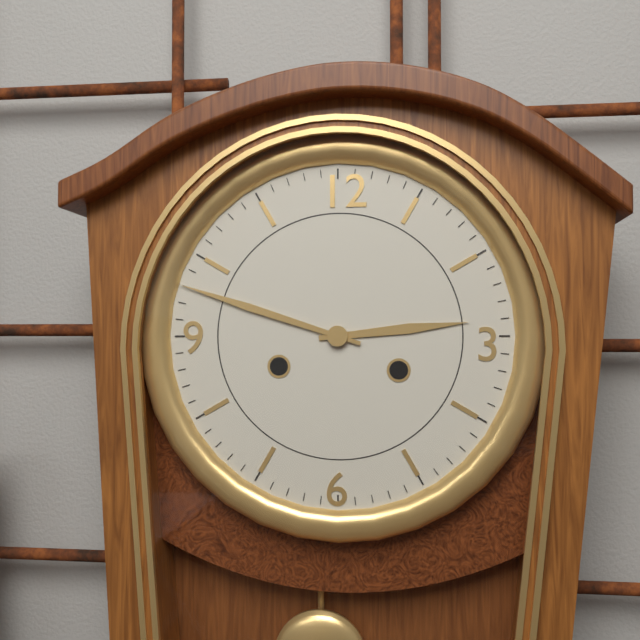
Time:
2:48
